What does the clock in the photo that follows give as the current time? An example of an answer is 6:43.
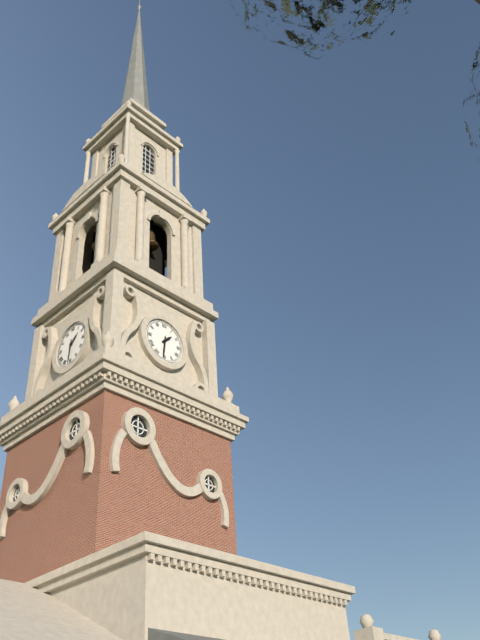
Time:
1:31
